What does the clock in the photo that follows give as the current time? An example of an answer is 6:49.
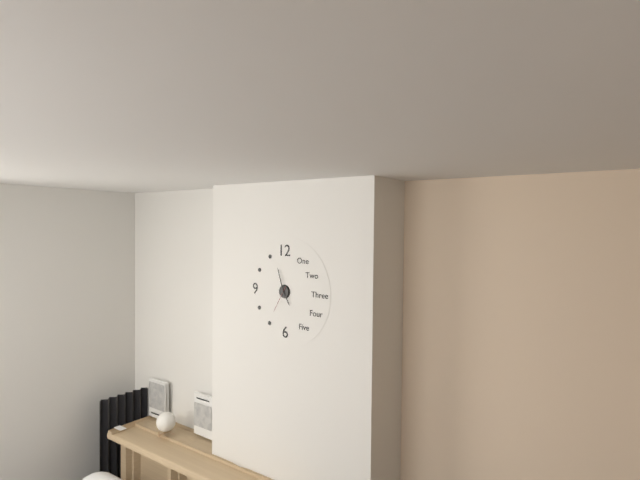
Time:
4:57
